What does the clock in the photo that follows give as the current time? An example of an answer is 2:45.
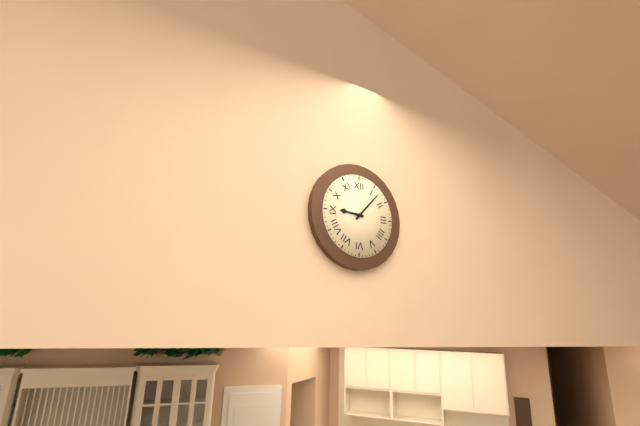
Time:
9:07
